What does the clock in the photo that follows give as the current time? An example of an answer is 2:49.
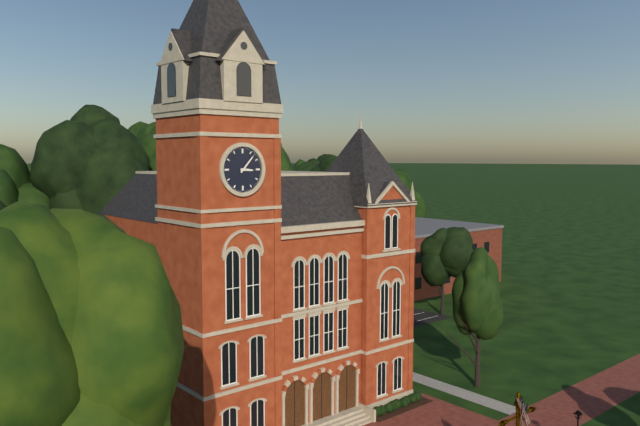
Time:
3:07
